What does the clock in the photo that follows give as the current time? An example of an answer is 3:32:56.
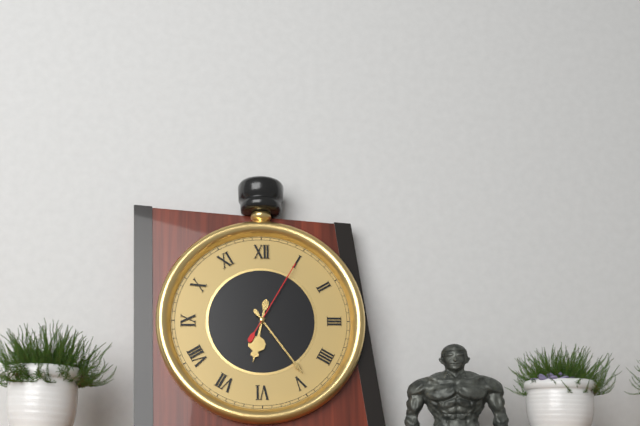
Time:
6:24:05
